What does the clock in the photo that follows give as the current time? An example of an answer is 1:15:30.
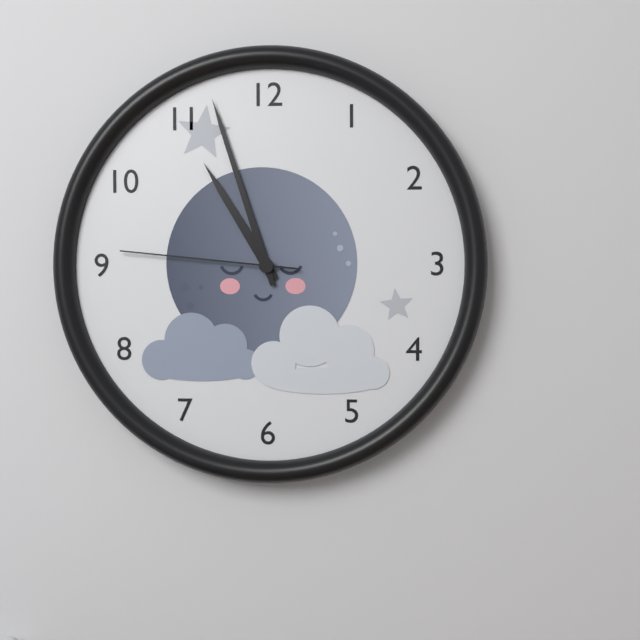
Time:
10:57:46
